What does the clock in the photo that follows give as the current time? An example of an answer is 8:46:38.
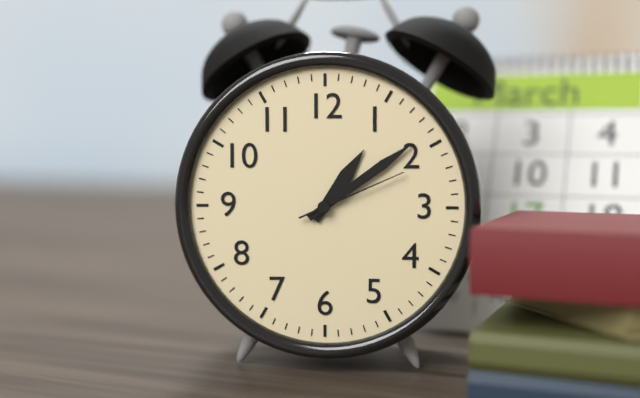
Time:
1:09:11
